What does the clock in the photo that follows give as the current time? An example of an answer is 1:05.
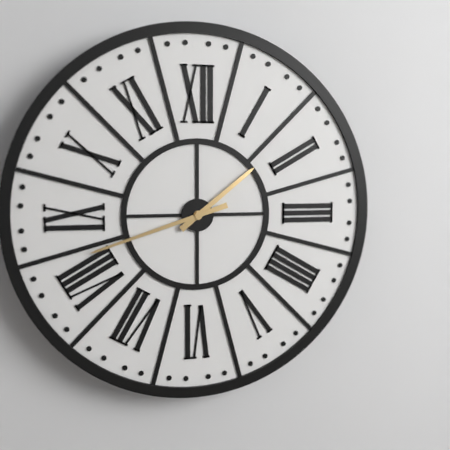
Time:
1:42
